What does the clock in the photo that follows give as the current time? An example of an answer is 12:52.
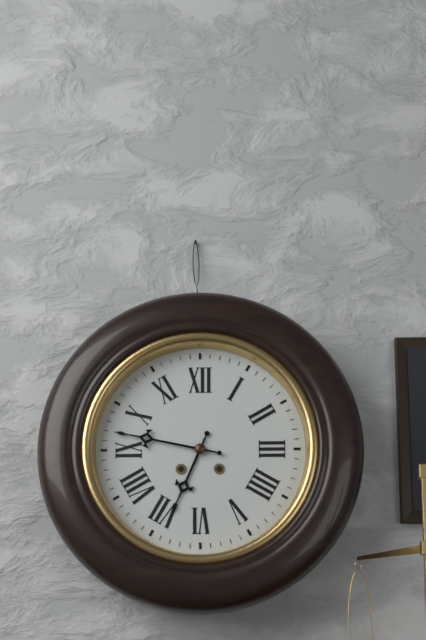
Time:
6:47
